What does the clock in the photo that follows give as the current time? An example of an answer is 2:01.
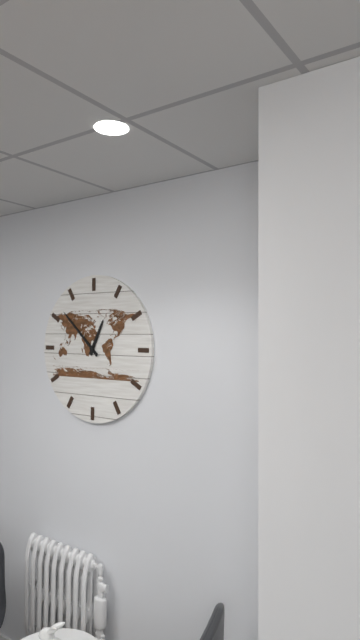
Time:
12:52
